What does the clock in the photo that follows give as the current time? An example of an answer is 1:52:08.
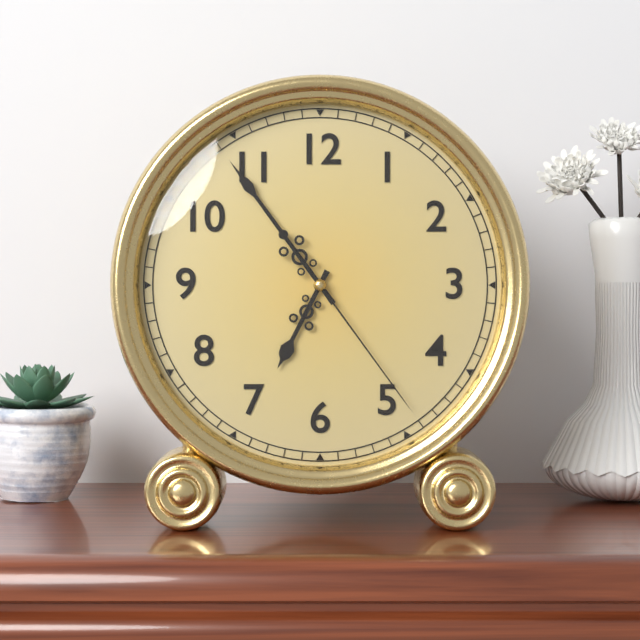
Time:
6:54:24
